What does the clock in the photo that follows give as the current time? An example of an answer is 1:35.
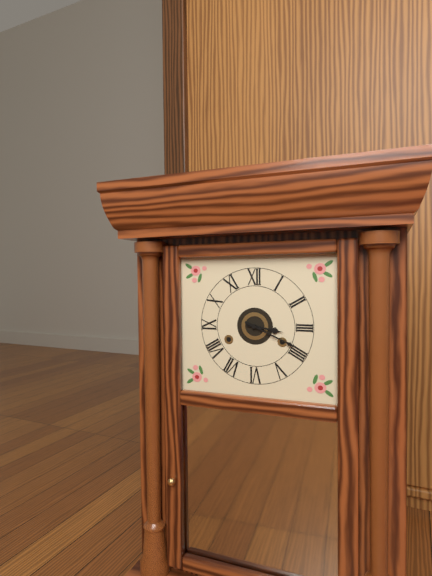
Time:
3:19
